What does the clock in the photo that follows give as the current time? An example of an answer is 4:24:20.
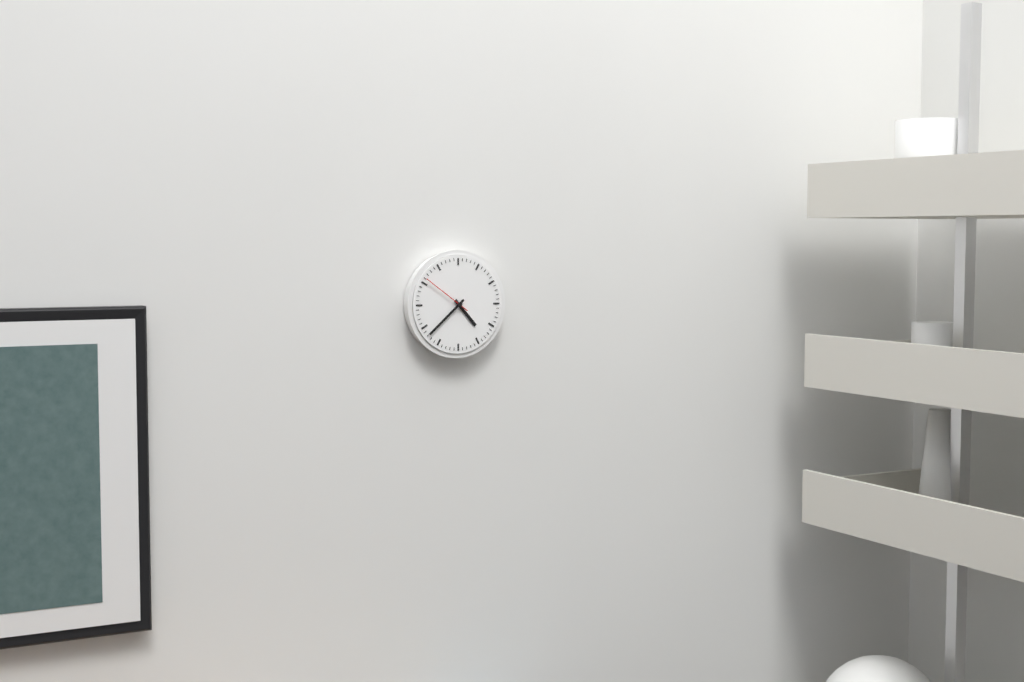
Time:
4:38:51
